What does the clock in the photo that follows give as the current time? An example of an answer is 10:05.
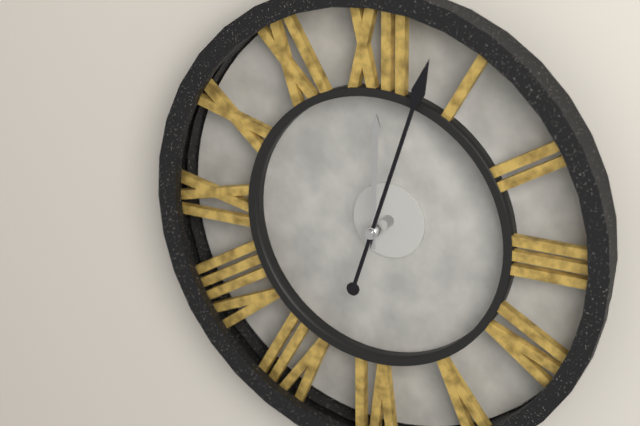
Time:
12:03
